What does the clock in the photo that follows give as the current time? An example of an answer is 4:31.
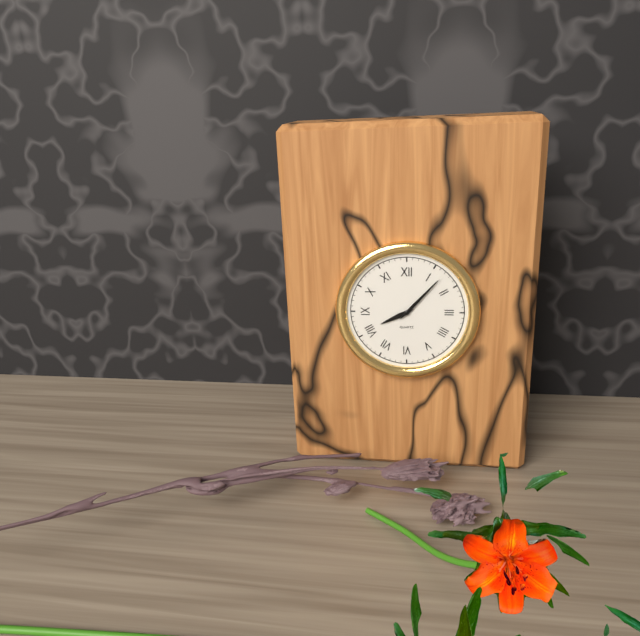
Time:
8:07
